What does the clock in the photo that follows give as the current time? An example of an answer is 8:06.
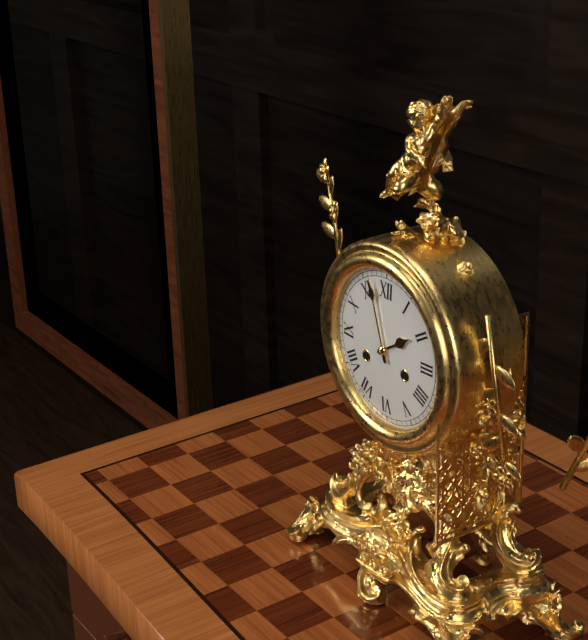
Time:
1:57
